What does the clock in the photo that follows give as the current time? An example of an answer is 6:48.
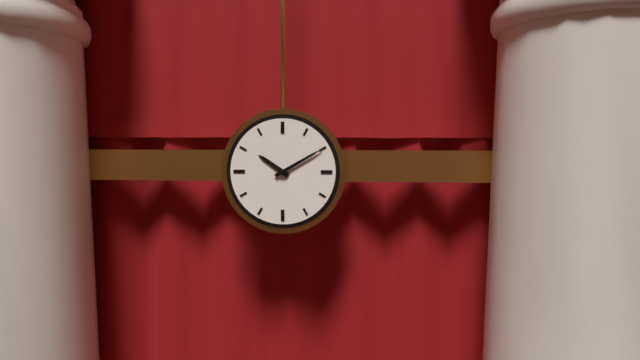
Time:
10:10
